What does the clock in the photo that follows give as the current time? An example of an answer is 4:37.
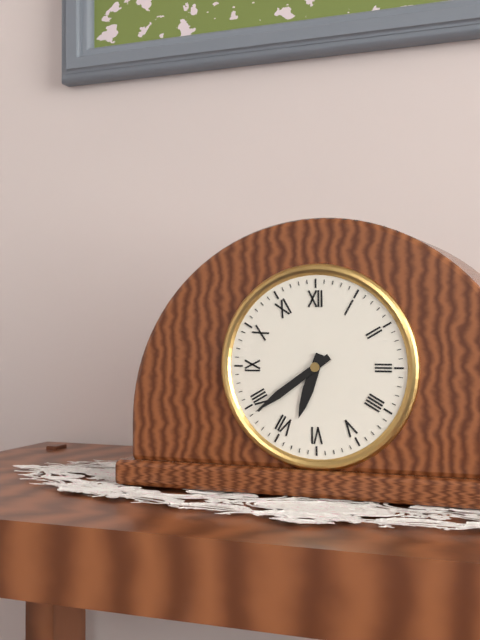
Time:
6:39
